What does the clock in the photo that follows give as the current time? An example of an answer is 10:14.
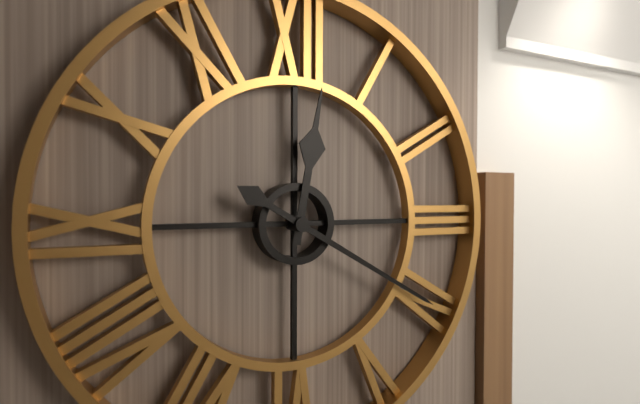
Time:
12:20
